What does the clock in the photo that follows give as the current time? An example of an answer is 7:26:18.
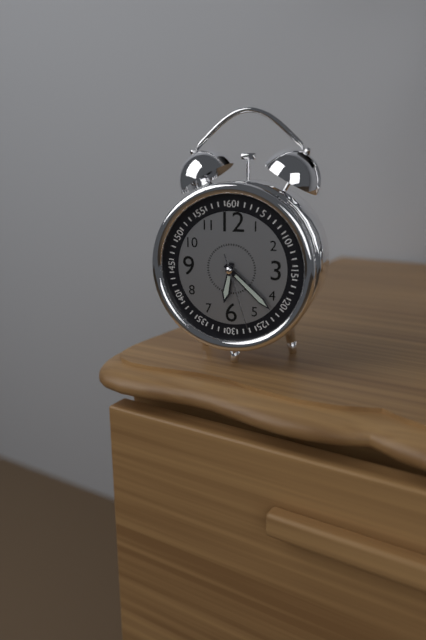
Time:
6:22:27
